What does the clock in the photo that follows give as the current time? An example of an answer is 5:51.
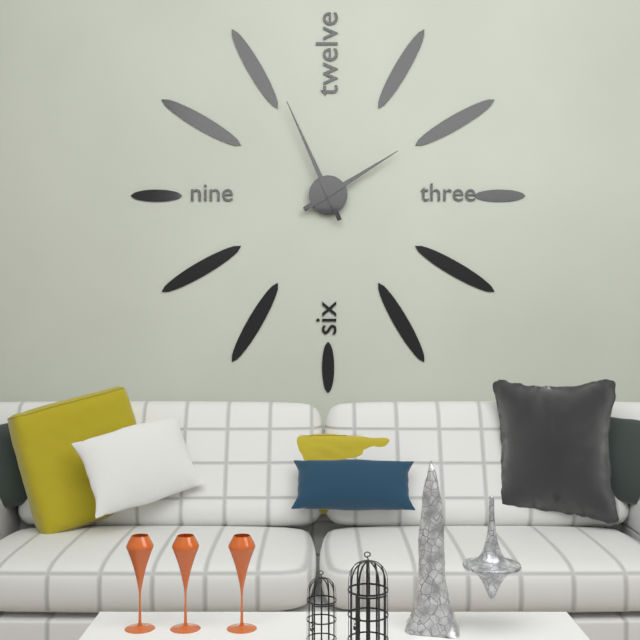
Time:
1:56
